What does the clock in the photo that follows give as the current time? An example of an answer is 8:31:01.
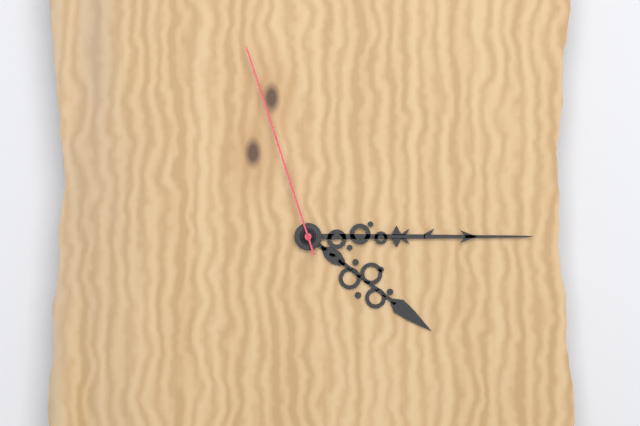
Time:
4:15:57
